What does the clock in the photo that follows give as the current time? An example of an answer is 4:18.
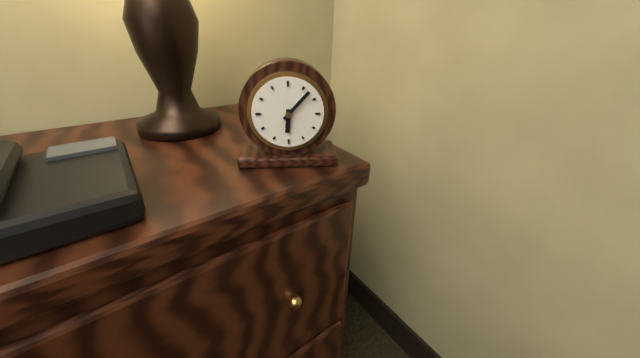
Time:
6:07
